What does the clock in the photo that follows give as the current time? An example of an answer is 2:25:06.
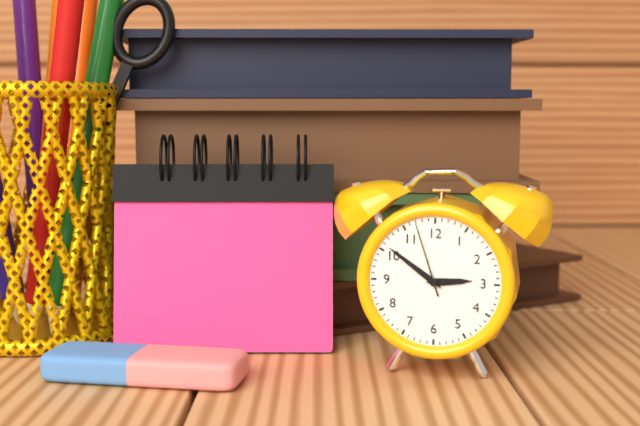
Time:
2:51:57
